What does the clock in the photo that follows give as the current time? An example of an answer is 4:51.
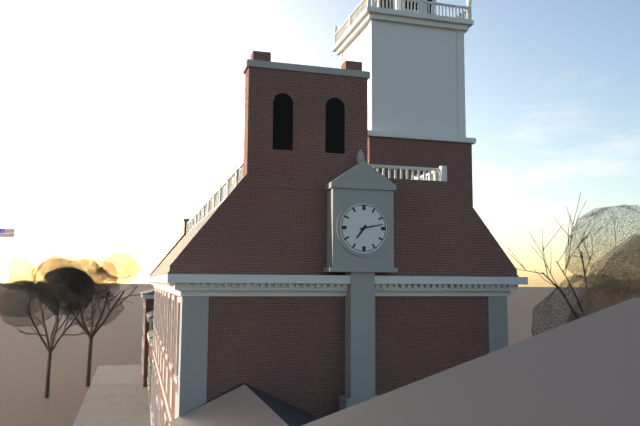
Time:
7:13
